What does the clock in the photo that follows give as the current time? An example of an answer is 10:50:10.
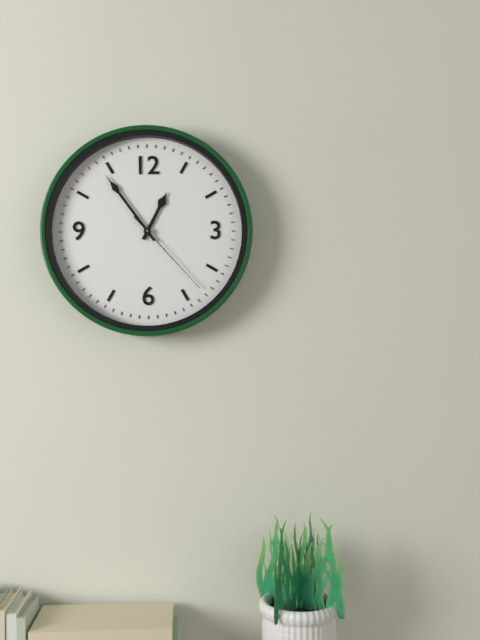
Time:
12:54:23
